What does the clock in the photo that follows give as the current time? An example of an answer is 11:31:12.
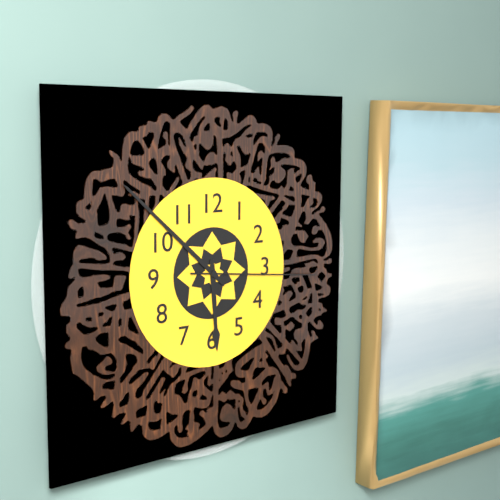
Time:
5:52:16
